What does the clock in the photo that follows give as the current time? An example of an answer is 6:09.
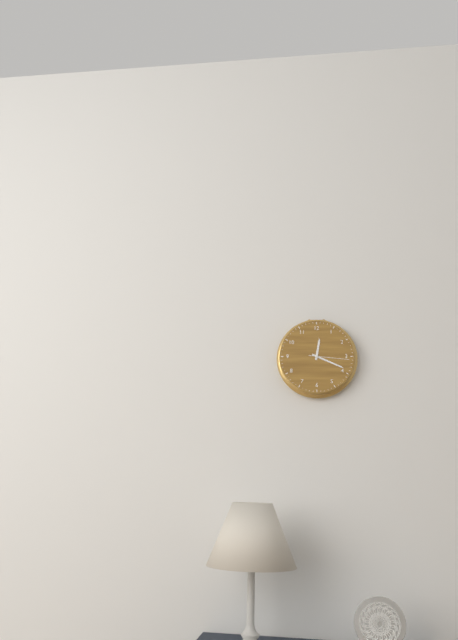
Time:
12:19
